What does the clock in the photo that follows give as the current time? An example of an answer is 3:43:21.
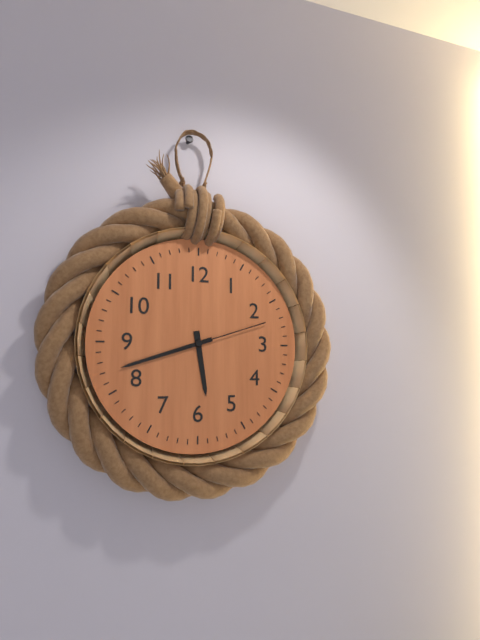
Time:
5:42:12
